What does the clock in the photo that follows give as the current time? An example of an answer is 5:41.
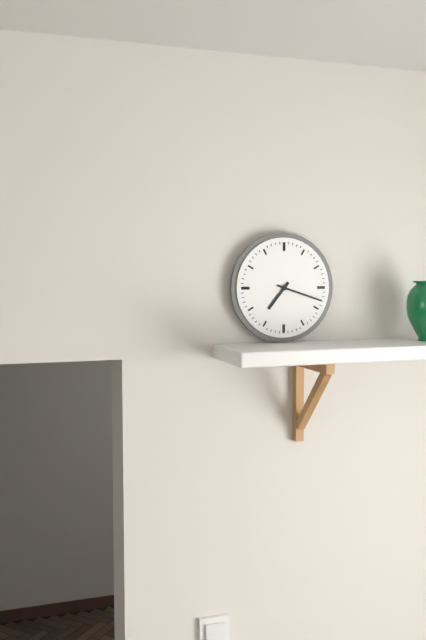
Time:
7:18
